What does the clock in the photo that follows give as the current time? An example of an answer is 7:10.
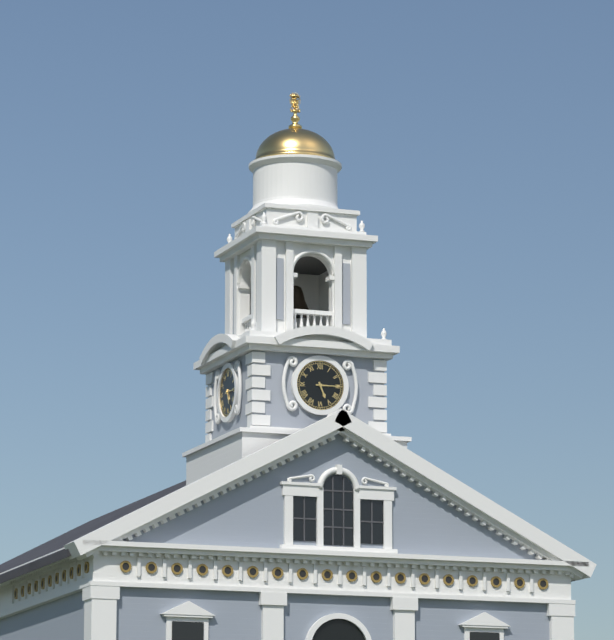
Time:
5:15
